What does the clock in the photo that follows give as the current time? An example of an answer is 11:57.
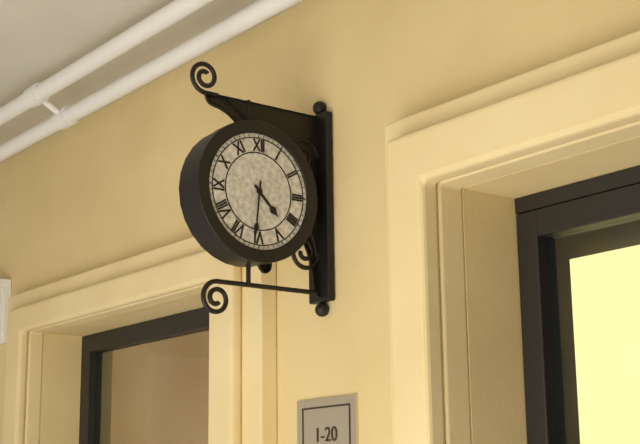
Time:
4:31
